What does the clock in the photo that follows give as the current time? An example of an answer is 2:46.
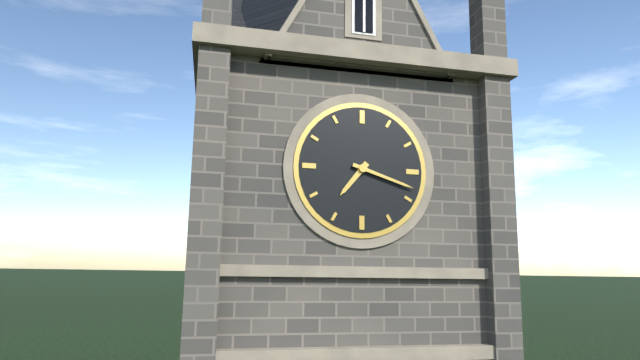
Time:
7:18
